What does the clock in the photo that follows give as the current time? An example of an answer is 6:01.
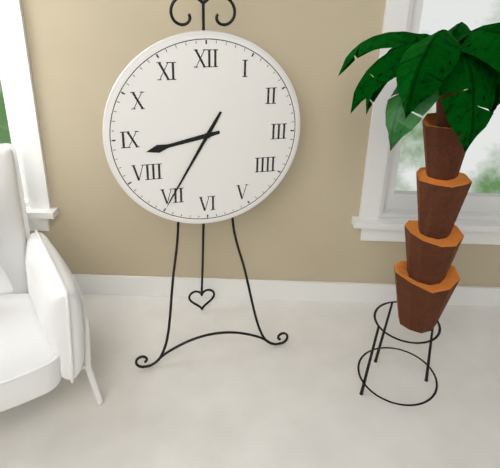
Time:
8:35
